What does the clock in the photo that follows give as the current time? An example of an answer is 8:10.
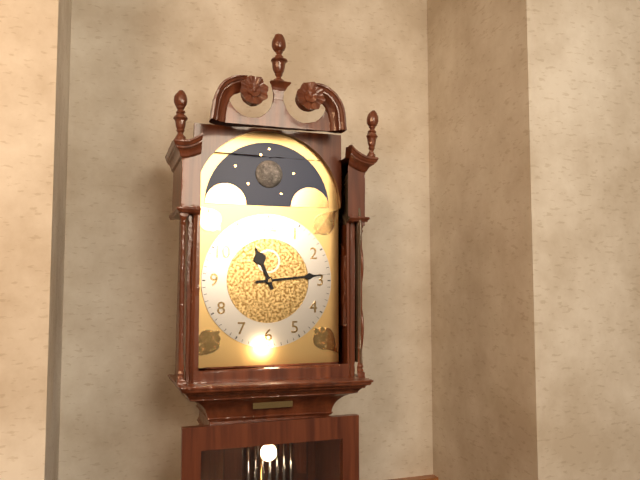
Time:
11:14
